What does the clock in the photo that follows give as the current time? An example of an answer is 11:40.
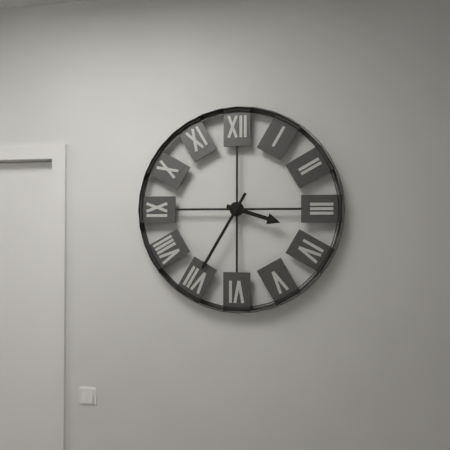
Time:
3:35
